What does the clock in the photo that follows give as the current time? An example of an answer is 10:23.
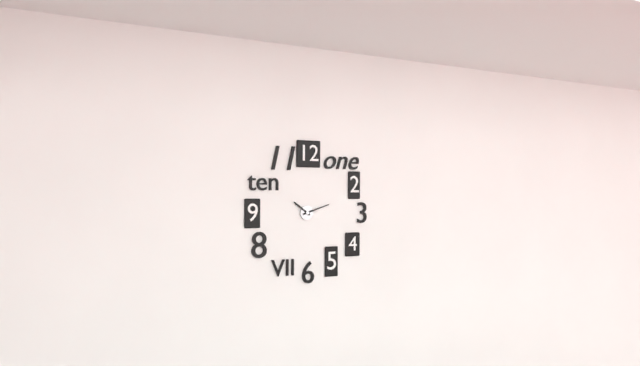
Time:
10:12
